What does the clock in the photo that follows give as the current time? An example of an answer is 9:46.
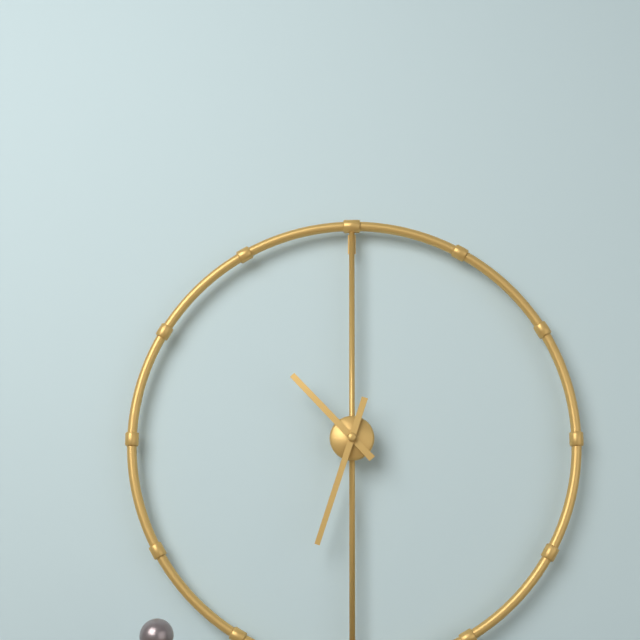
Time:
10:33
